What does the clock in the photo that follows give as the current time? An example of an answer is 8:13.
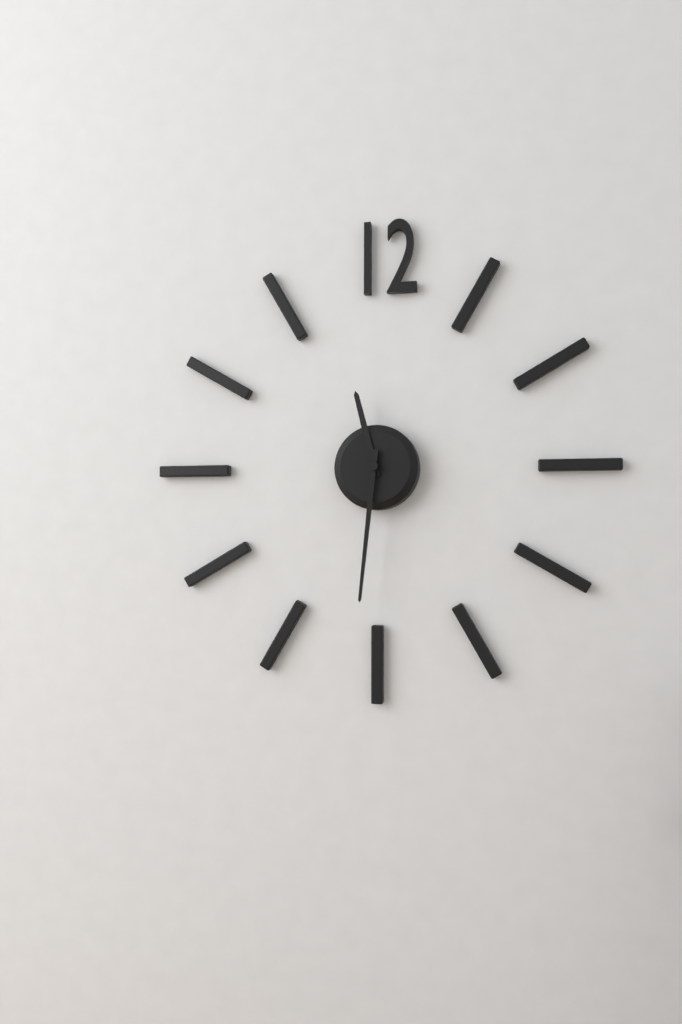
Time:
11:31
